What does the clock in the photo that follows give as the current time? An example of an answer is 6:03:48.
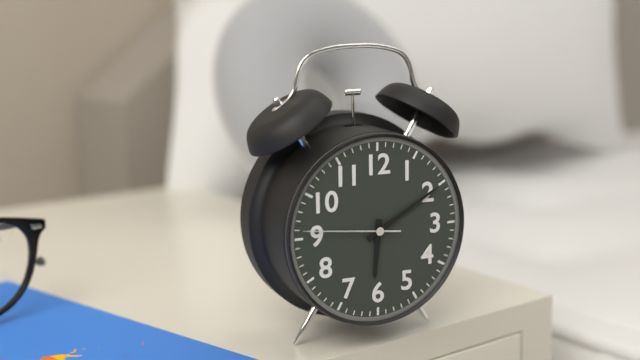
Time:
6:10:46
